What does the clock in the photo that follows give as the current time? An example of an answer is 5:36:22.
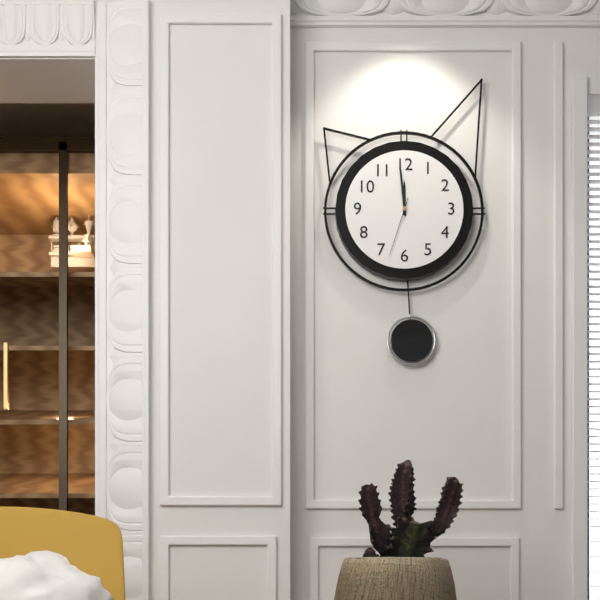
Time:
11:59:33
